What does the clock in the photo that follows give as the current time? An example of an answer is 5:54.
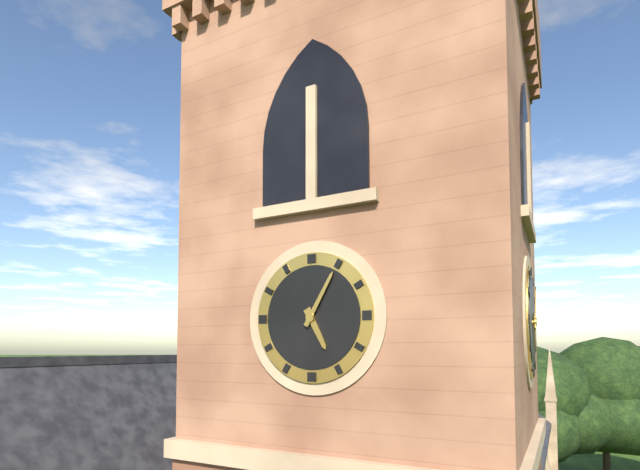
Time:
5:05
